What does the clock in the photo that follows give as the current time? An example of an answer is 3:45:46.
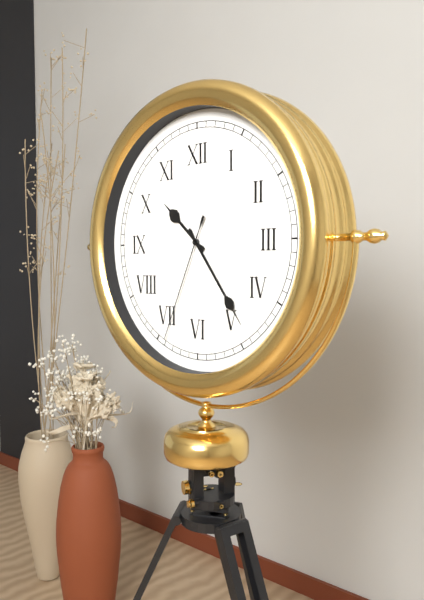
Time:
10:24:34
